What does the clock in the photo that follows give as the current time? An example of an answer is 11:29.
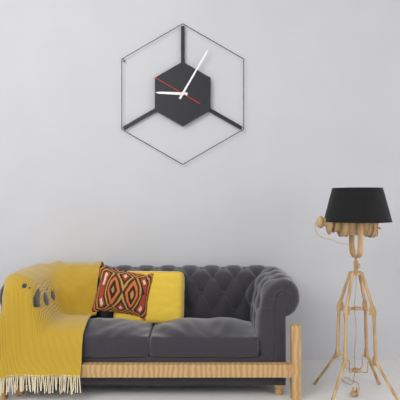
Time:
9:05
